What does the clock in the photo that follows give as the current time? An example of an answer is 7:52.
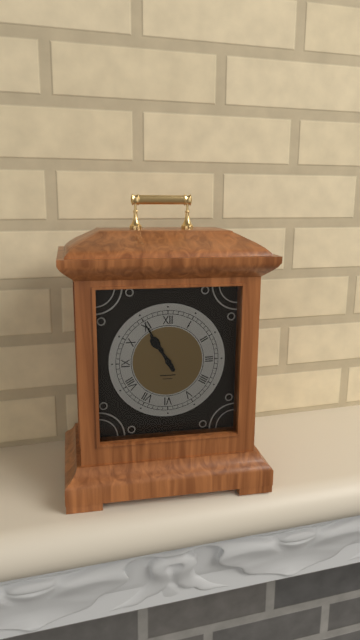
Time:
10:55
